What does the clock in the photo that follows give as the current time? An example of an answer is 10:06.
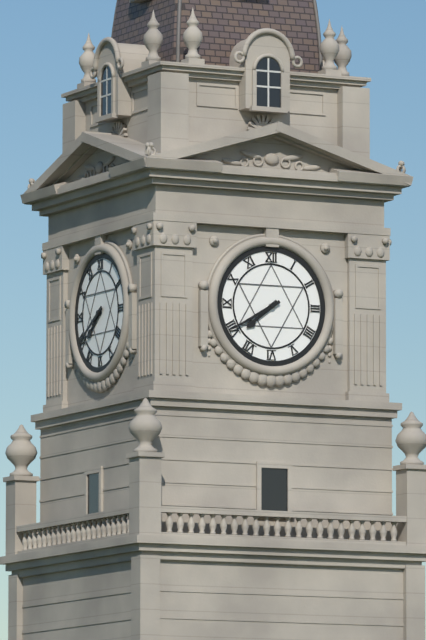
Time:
7:40
